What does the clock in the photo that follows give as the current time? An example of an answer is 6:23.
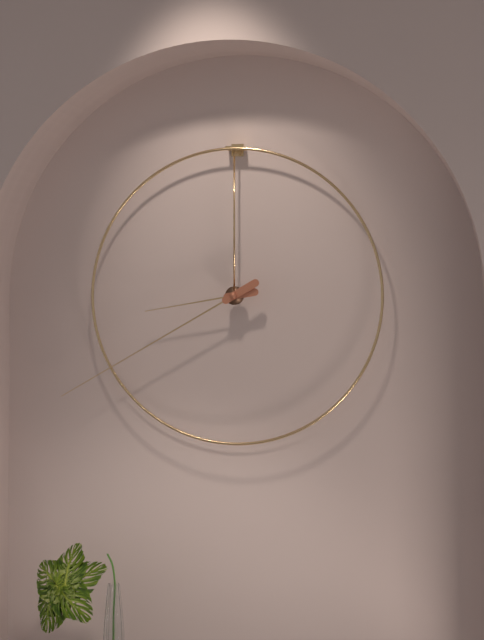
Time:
8:40
